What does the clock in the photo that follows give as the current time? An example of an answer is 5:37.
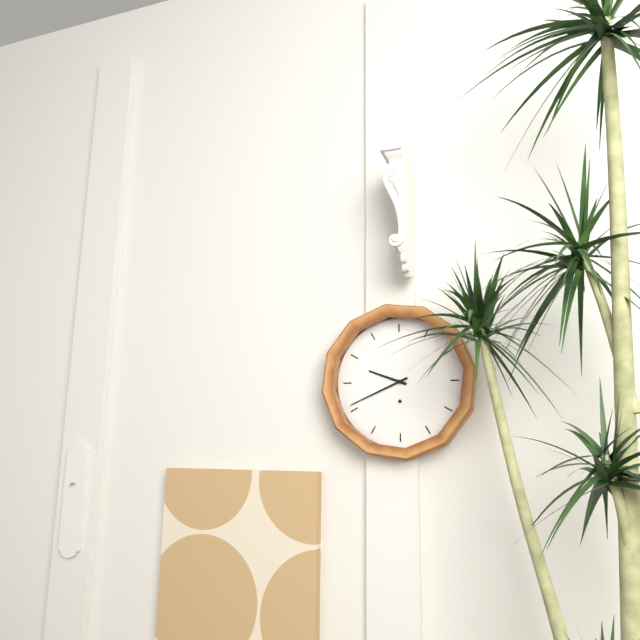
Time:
9:41
